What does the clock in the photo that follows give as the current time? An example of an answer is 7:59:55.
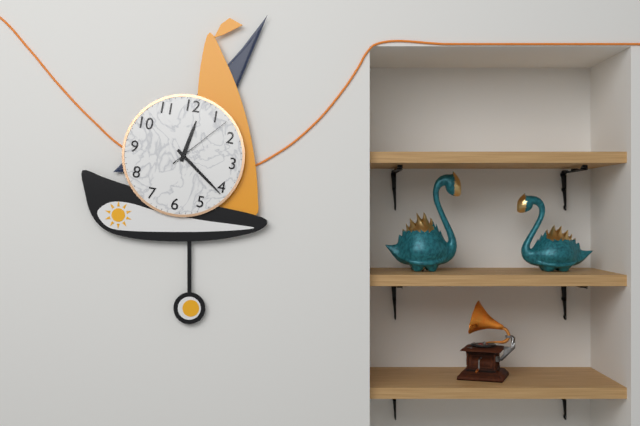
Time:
12:21:07
